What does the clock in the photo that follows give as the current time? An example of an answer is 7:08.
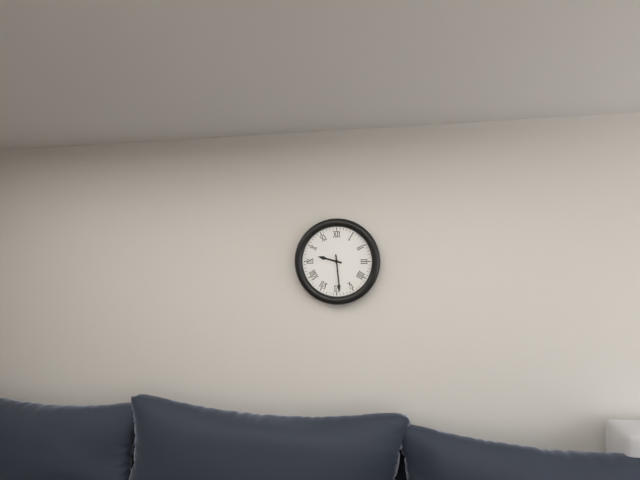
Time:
9:29
